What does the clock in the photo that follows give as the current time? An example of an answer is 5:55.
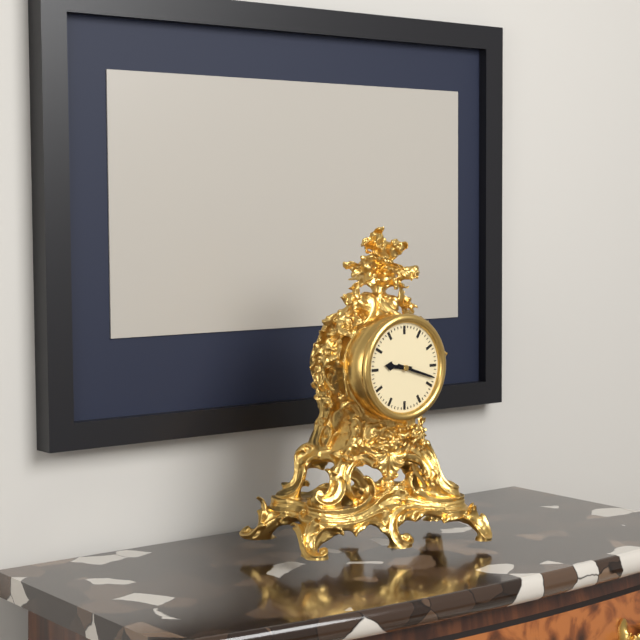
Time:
9:18
